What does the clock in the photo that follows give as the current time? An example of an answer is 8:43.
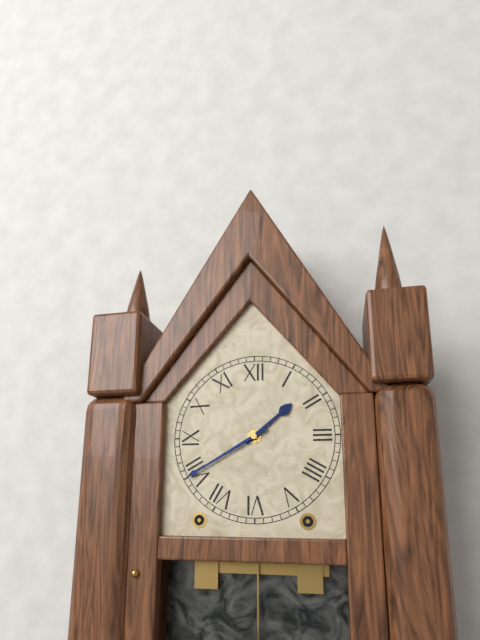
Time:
1:40
